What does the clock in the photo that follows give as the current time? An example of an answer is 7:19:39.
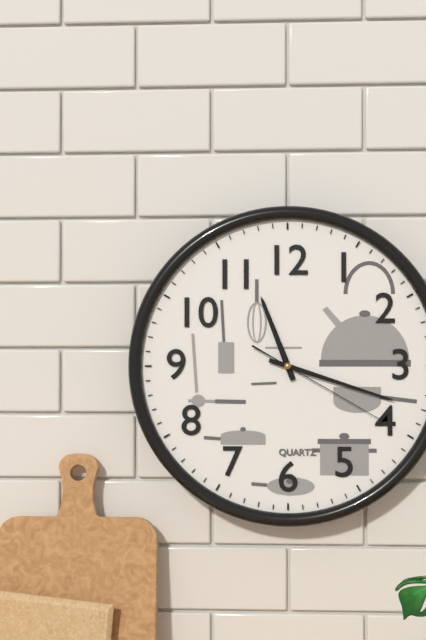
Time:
11:18:20
